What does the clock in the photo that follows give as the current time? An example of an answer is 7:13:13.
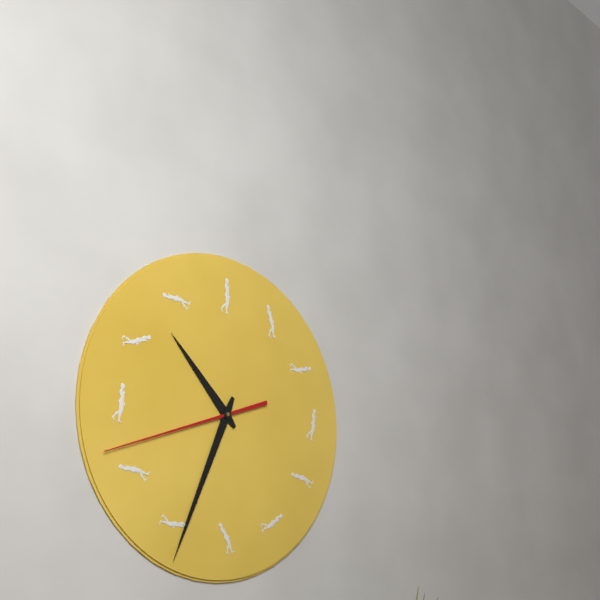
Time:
10:34:42
